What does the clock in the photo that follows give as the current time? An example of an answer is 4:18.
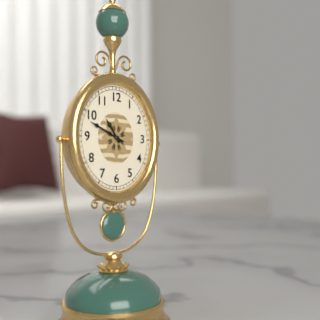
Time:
10:49
